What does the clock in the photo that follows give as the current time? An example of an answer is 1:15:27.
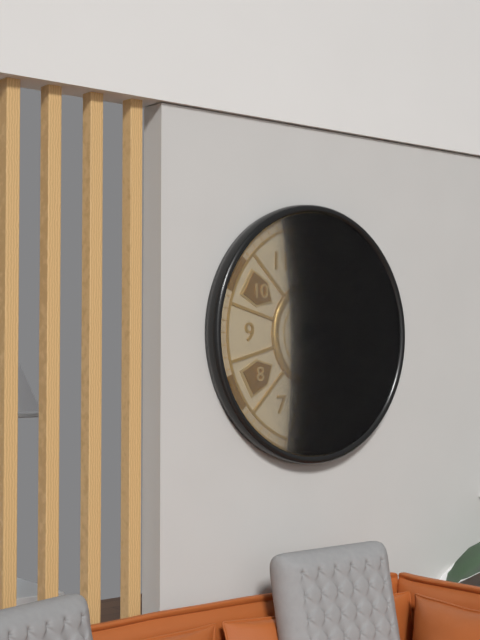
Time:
4:12:25
